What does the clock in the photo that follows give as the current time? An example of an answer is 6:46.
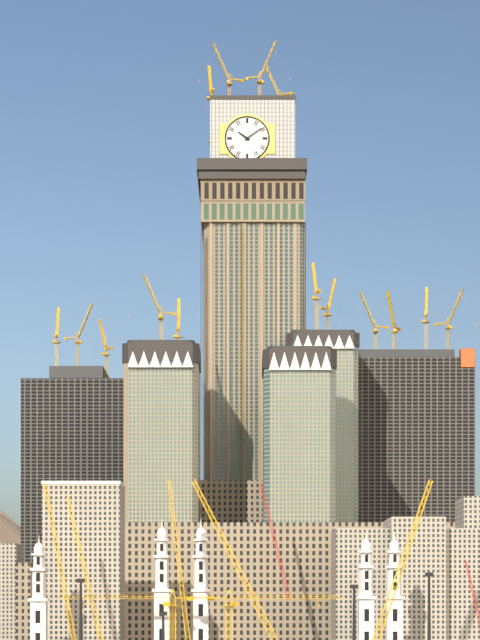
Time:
10:09
